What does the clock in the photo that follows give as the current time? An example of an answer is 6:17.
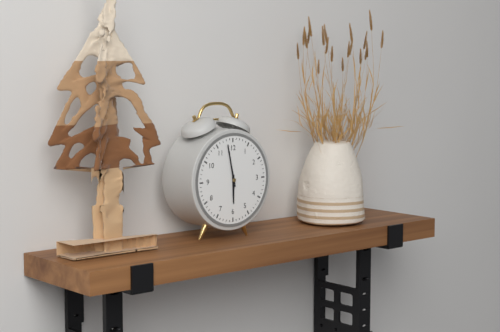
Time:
5:58
